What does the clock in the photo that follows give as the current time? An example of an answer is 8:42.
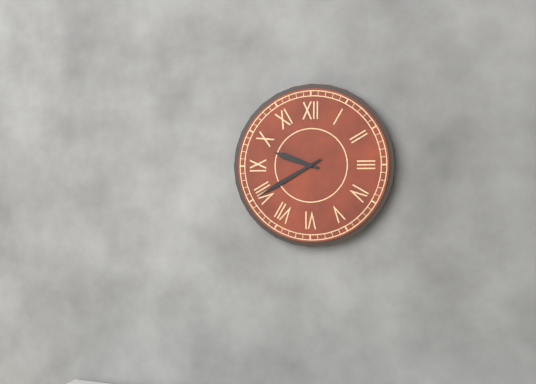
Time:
9:40
